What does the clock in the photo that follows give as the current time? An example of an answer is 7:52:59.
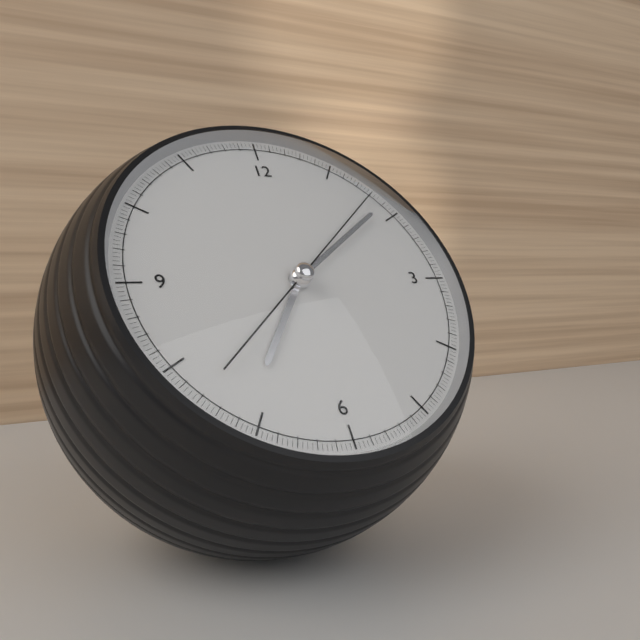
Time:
7:09:08
